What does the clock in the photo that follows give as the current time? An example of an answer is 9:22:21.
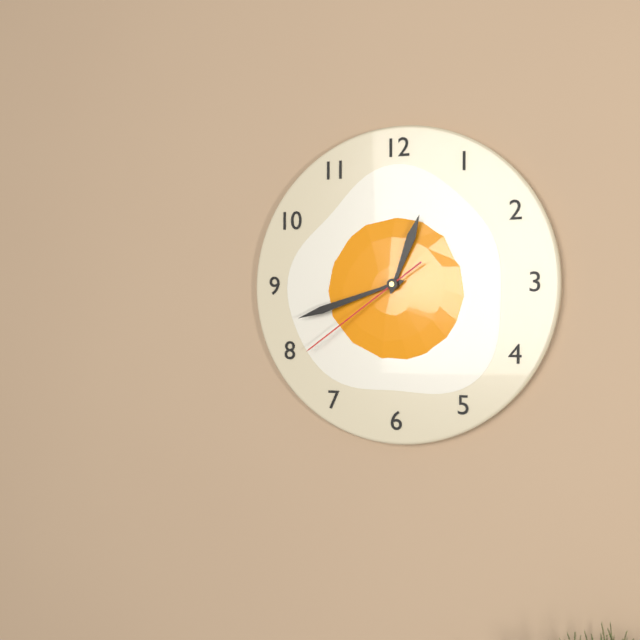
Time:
12:42:39
